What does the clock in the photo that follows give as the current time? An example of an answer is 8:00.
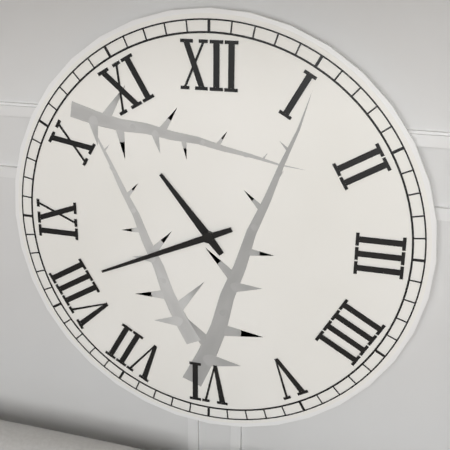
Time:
10:41
